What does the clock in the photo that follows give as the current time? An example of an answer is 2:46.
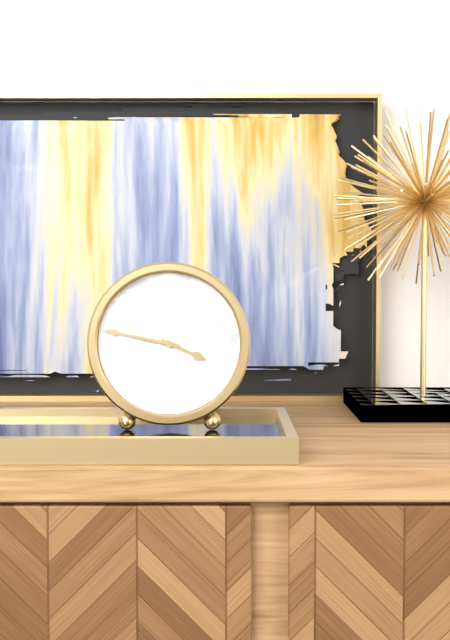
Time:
3:47
